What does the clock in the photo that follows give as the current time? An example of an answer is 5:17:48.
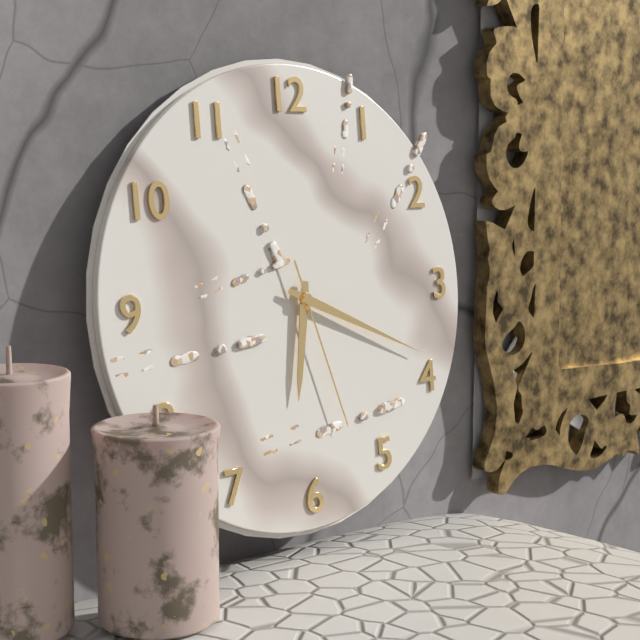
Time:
6:19:27
